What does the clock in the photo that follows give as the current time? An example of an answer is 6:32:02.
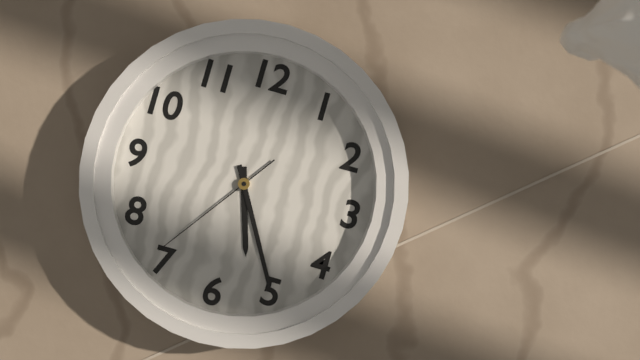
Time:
5:25:36
